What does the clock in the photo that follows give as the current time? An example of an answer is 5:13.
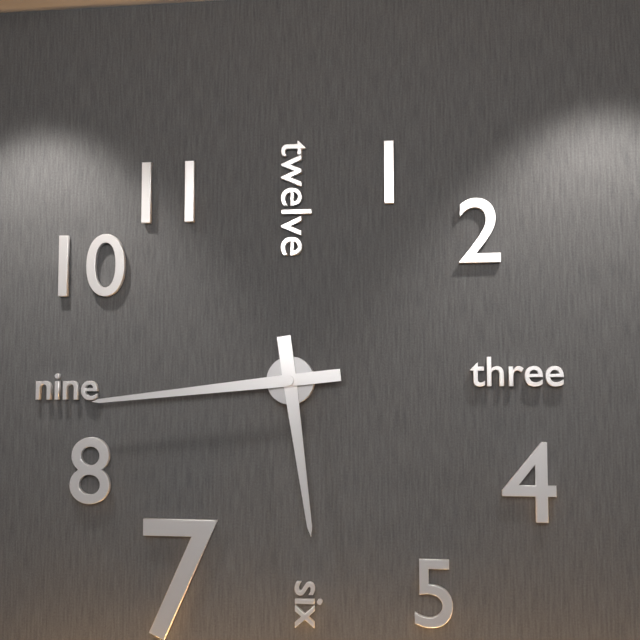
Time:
5:44
